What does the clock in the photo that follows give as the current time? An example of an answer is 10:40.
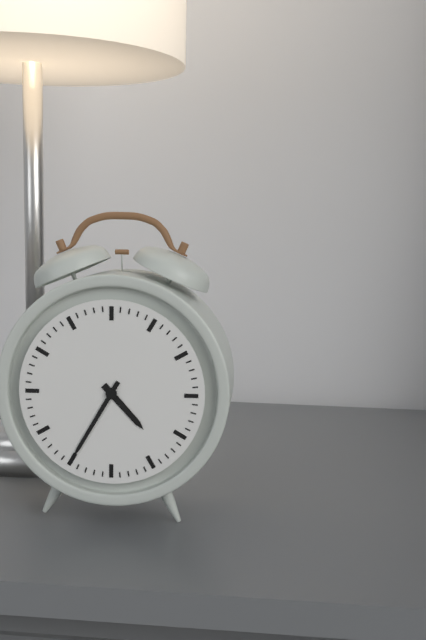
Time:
4:35
